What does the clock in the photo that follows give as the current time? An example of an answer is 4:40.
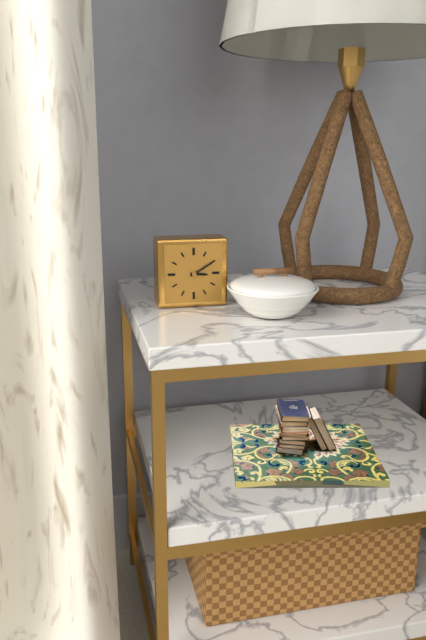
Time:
3:10
